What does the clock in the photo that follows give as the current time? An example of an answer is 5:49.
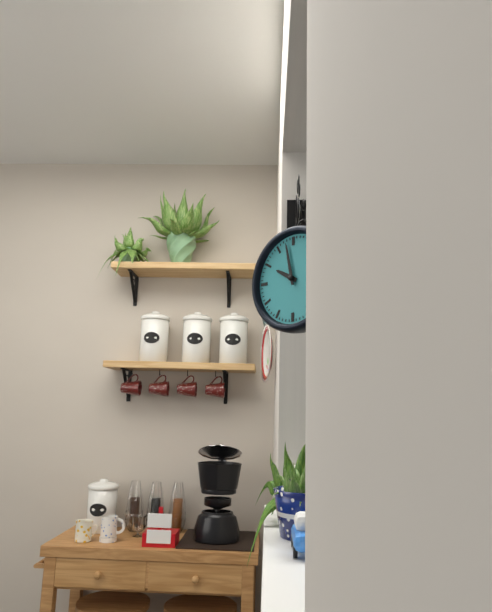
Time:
9:58
